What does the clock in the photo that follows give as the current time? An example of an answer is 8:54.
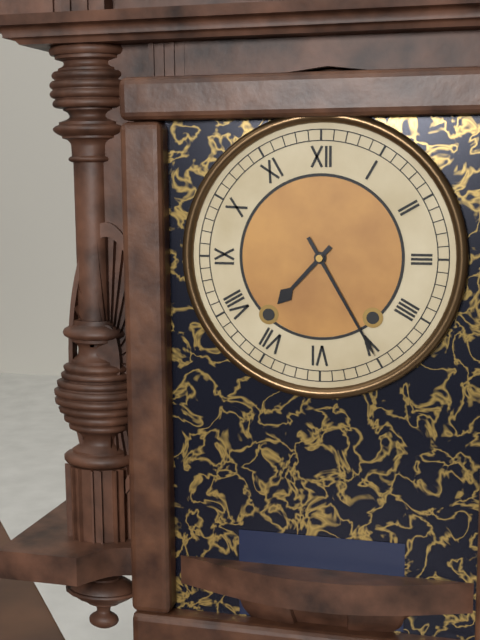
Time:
7:25
